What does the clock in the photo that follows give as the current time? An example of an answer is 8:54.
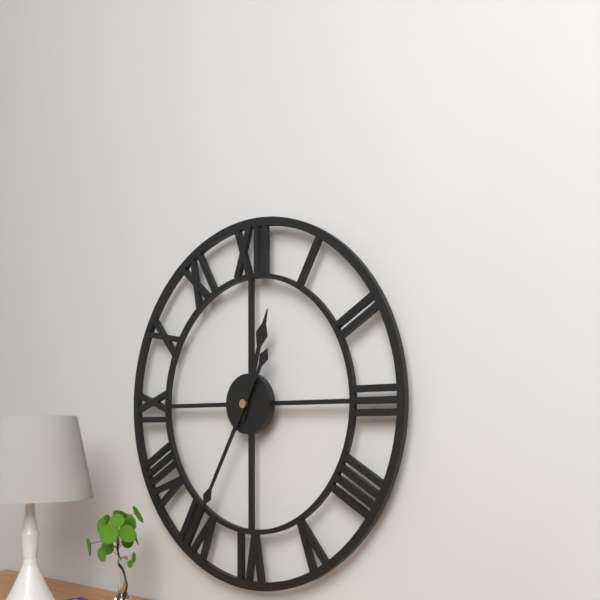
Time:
12:35
